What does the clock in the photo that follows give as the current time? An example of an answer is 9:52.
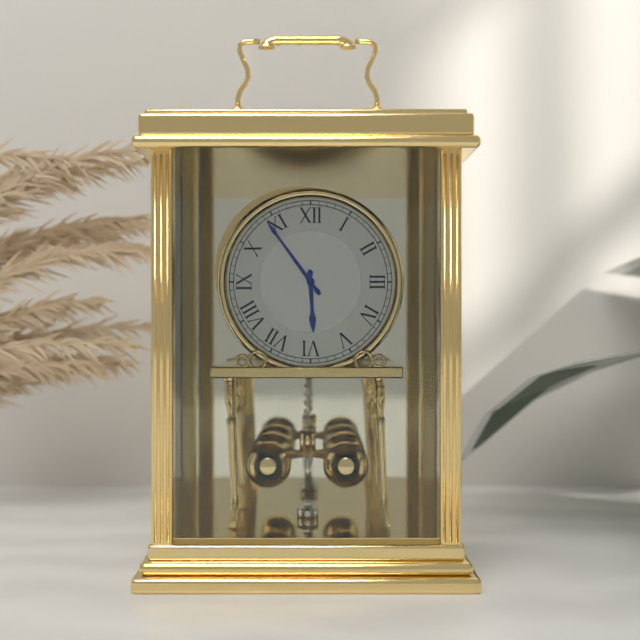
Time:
5:54
